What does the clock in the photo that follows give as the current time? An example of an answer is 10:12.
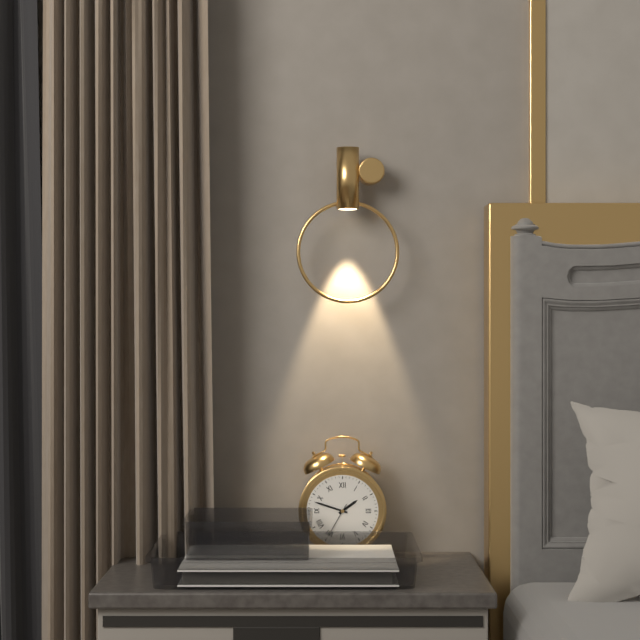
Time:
1:48
